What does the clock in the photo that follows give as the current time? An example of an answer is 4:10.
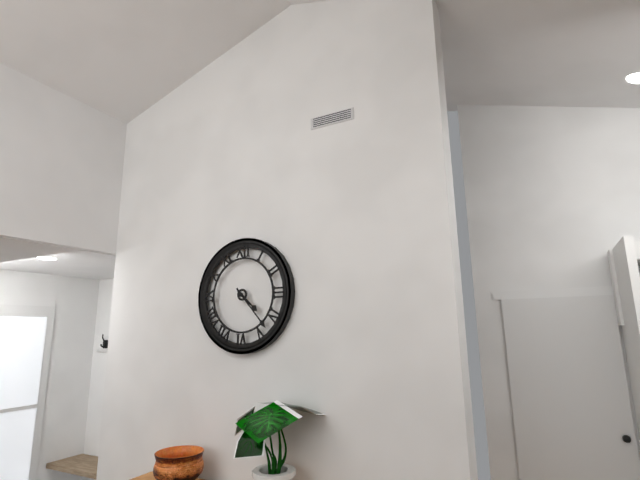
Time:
4:23
